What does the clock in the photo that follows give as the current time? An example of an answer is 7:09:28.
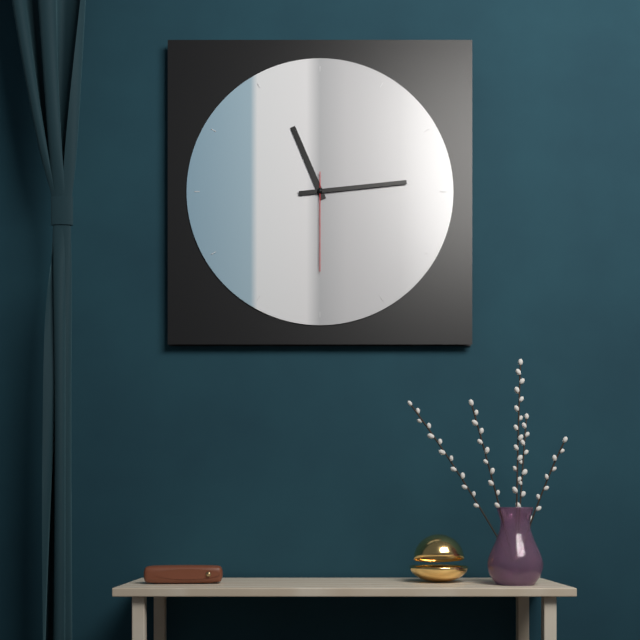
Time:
11:14:30
